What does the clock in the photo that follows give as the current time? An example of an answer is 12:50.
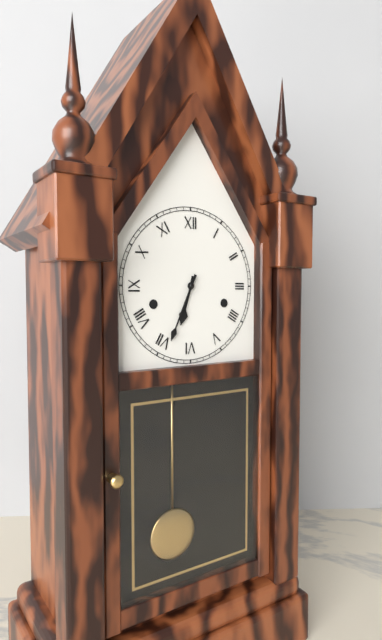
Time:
6:34
